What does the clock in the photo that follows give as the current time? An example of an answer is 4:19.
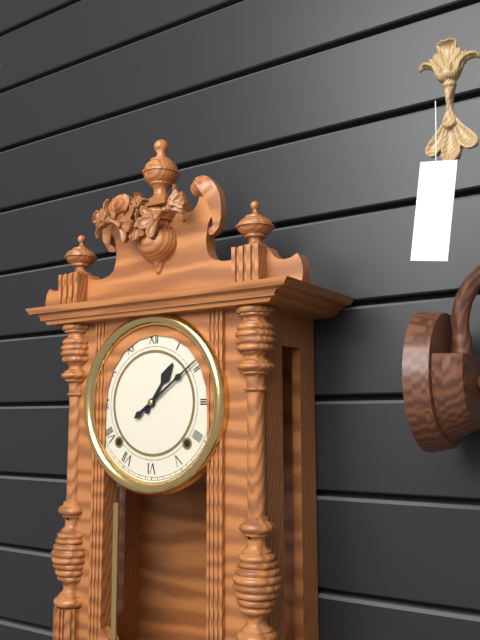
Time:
1:09
